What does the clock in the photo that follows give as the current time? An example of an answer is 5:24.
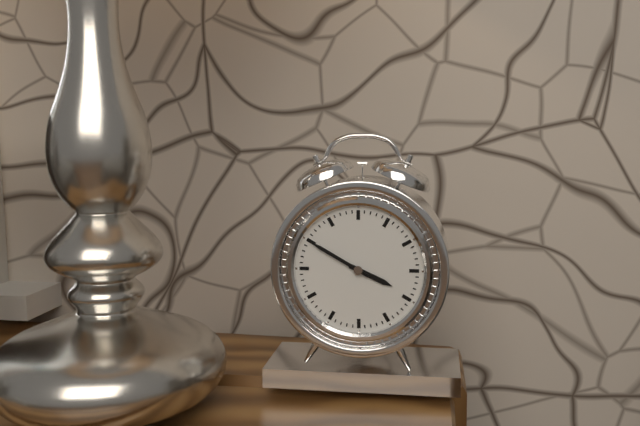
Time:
3:50
